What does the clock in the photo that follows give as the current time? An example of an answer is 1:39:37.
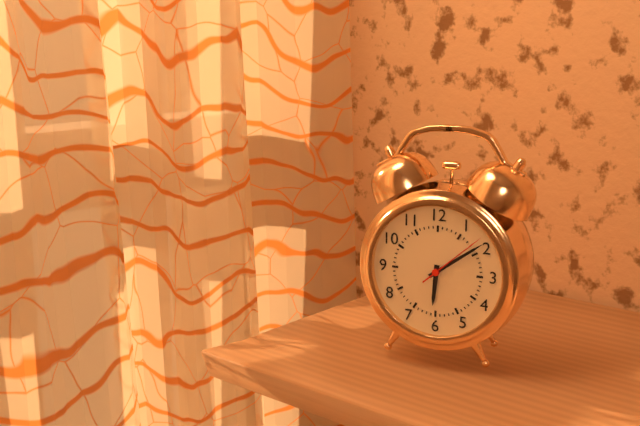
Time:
6:09:08
